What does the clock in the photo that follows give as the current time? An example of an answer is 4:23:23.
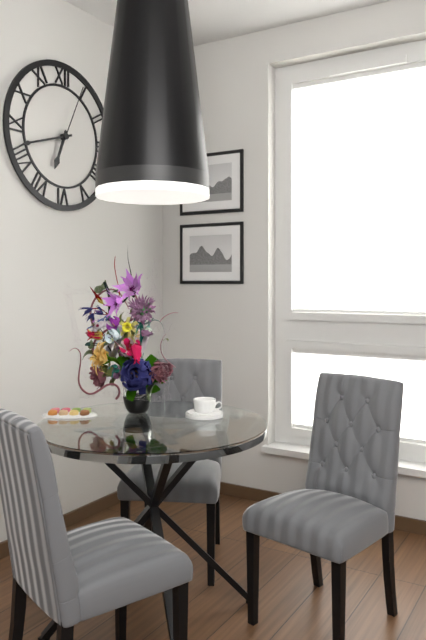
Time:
6:42:04
